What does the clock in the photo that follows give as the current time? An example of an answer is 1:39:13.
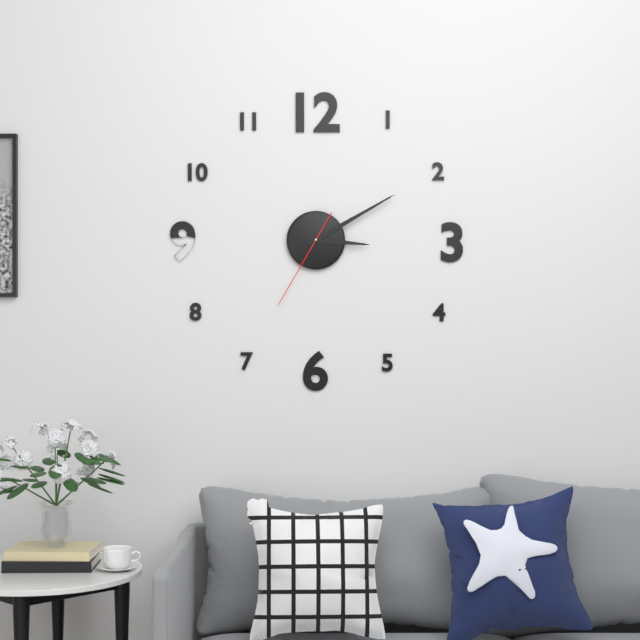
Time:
3:10:35
